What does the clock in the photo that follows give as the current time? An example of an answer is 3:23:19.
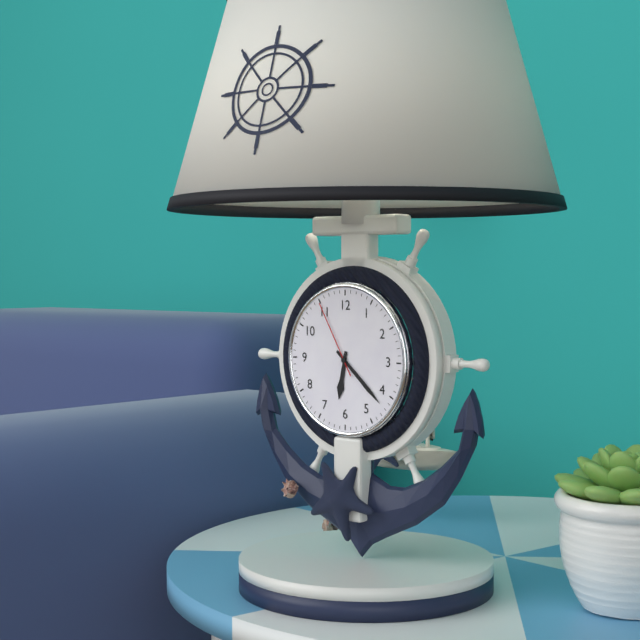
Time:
6:22:55
